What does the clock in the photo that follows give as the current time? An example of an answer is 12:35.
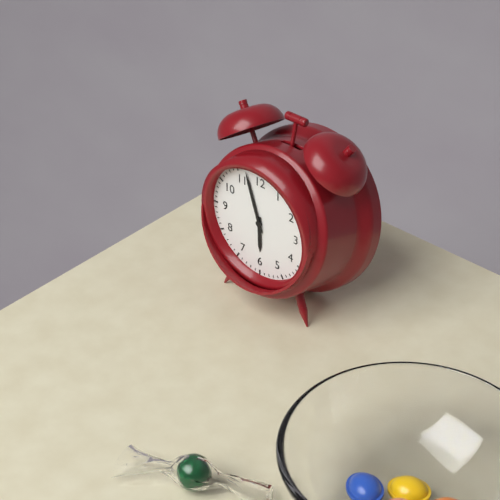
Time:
5:57
